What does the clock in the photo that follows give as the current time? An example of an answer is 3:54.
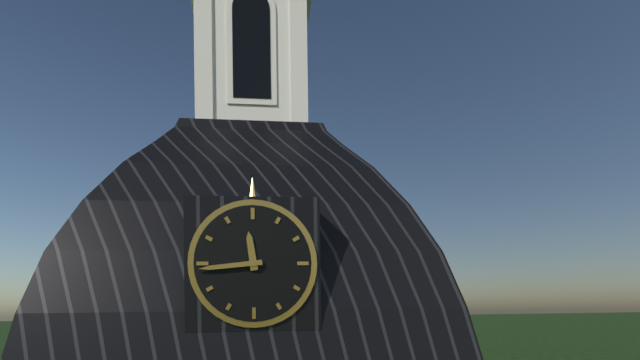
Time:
11:44
